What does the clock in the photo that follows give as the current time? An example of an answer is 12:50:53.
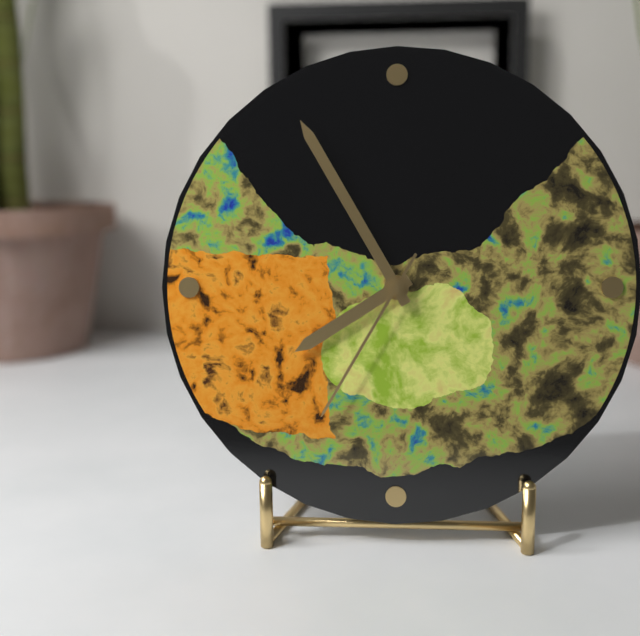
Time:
7:55:35
